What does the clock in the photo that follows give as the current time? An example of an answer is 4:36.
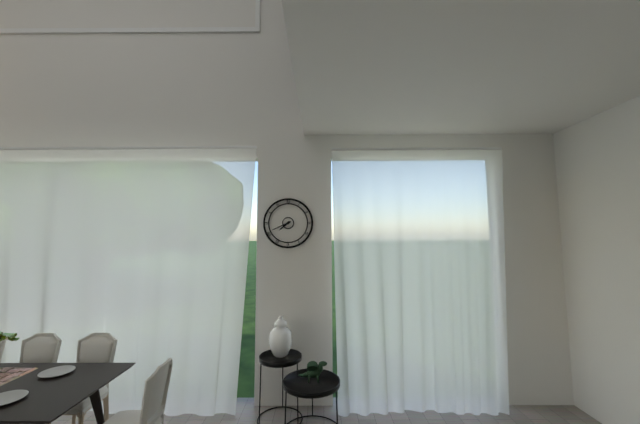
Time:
7:41
